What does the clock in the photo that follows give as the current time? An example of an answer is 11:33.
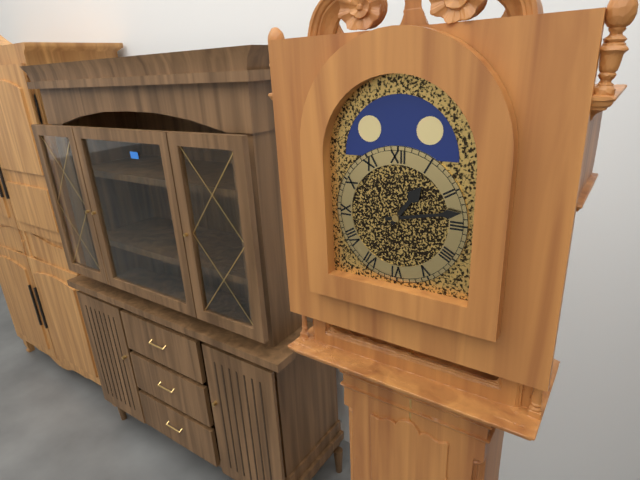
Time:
1:13
